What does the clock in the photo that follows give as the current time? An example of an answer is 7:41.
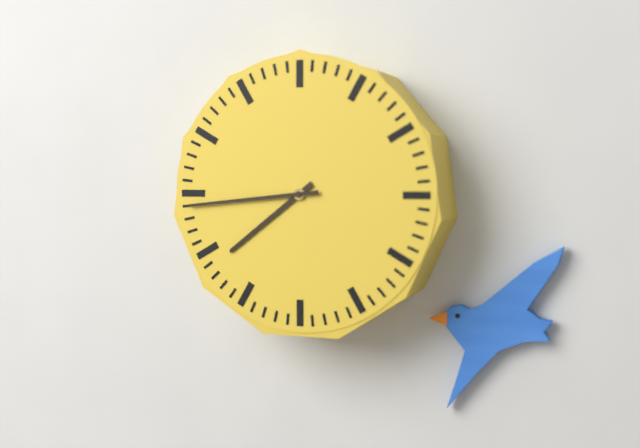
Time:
7:44
